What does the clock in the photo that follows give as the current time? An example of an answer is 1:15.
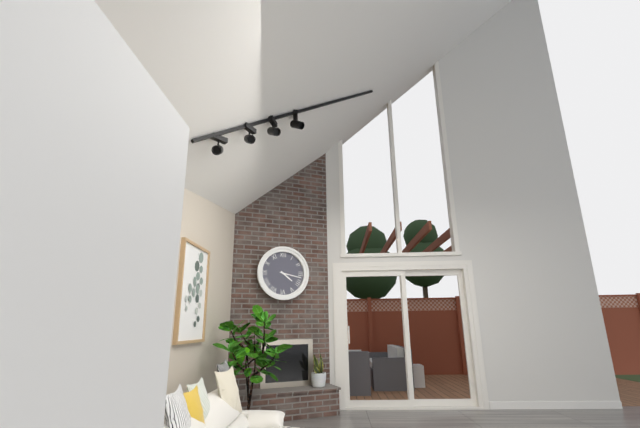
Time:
4:17
